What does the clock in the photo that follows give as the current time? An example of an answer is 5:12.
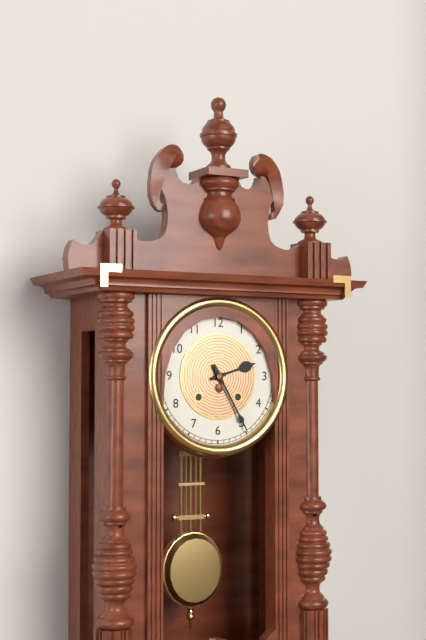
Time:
2:25
